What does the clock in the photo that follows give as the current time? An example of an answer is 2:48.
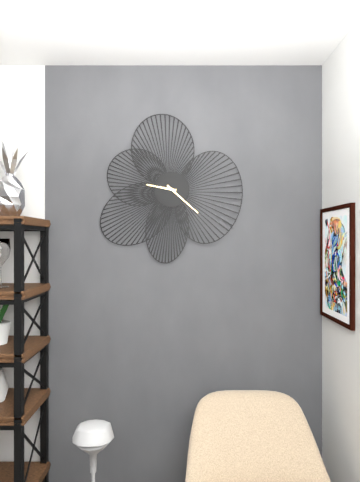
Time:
9:22
